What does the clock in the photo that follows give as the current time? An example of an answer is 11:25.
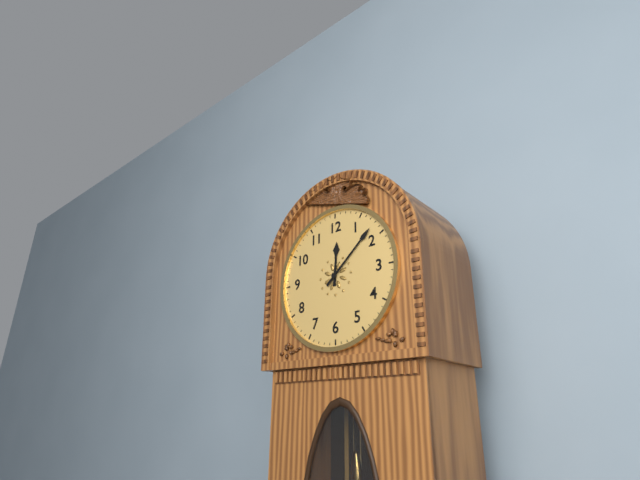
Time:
12:08
